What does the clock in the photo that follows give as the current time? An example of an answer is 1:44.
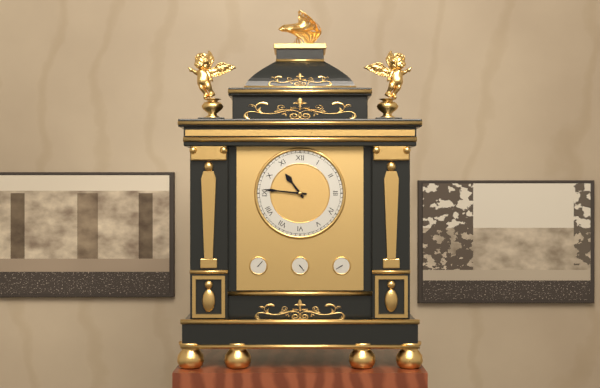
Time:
10:46
